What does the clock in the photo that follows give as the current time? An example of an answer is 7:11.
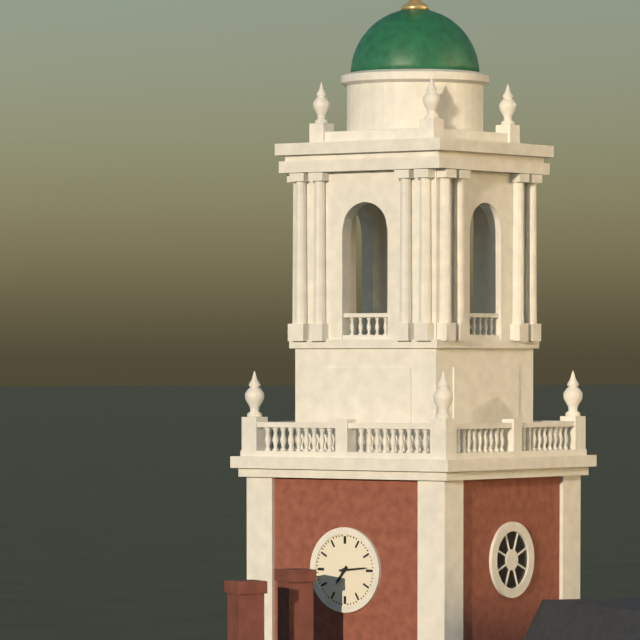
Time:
7:14
